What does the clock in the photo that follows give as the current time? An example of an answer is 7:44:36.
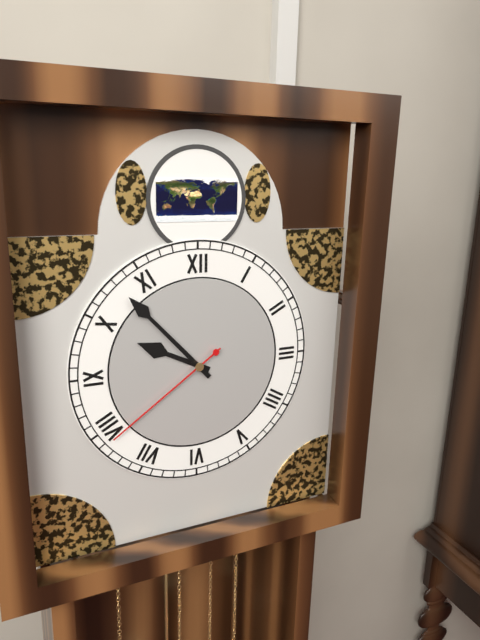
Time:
9:53:39
